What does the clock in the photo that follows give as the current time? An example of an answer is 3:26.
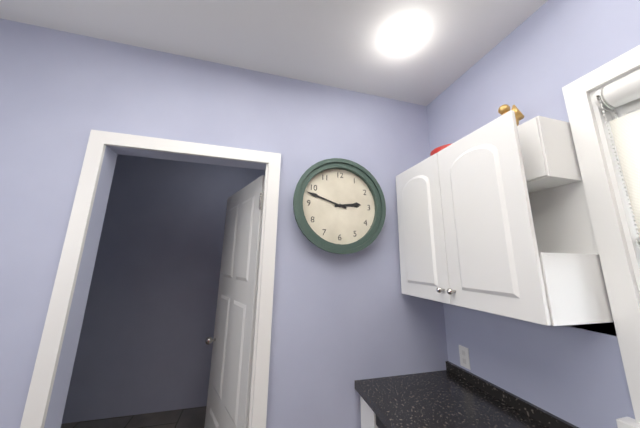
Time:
2:48
